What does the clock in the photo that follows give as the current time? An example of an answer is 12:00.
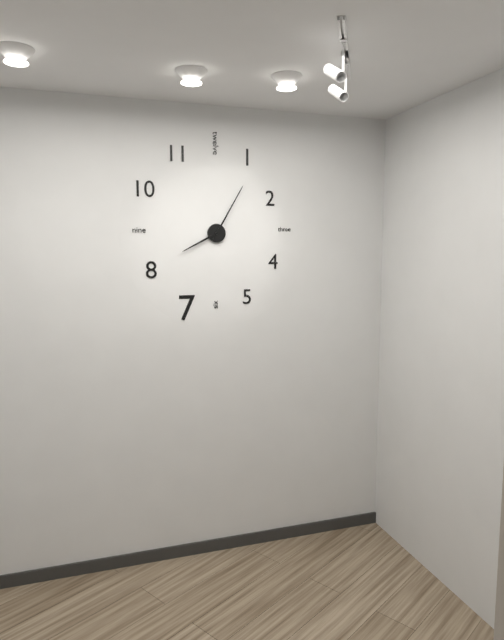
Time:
8:05
